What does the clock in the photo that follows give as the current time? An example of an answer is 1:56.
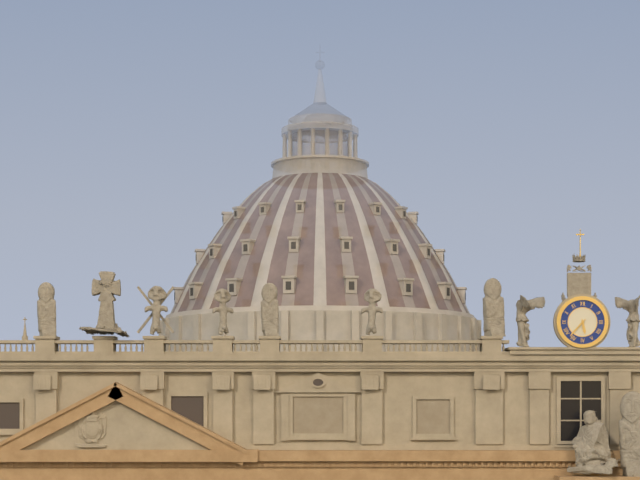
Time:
5:37
